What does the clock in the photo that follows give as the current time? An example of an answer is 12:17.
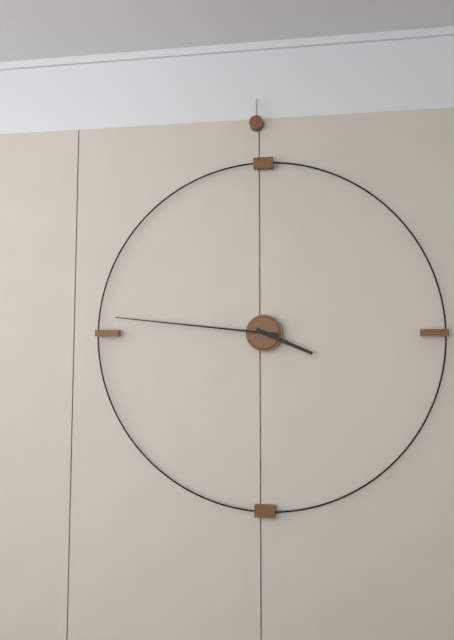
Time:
3:46
